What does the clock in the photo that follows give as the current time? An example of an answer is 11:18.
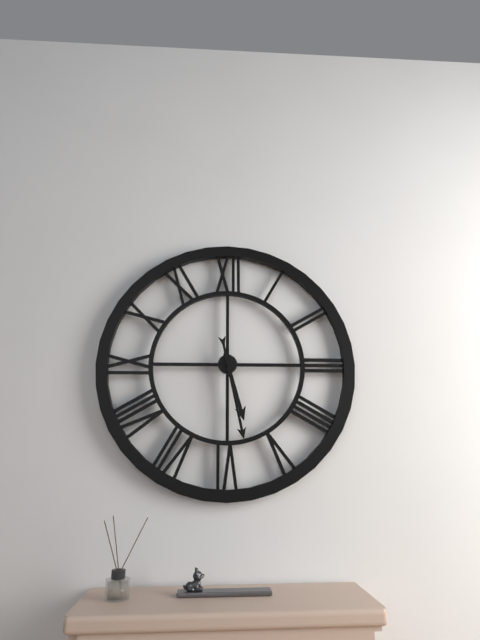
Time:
5:28
